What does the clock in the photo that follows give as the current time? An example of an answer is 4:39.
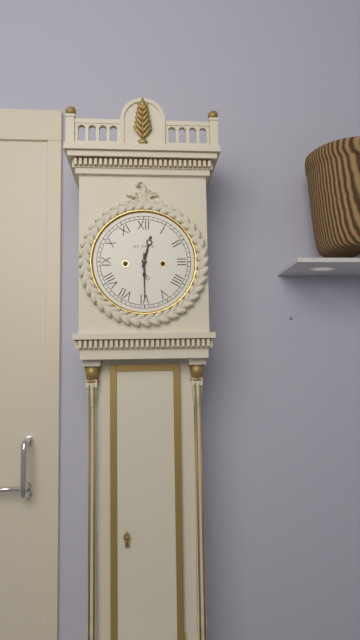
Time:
12:30
